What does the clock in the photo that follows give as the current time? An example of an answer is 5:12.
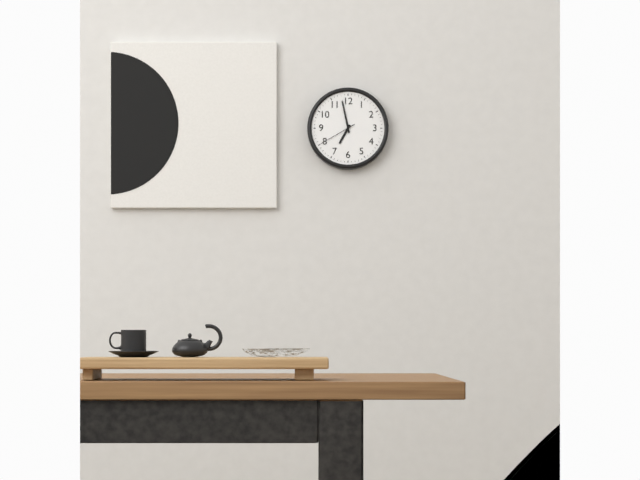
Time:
6:58
